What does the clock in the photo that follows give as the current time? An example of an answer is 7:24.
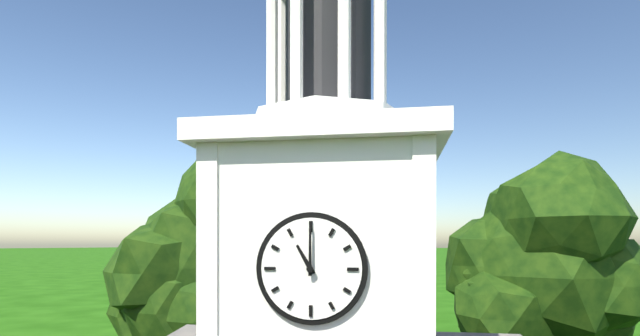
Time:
11:00
